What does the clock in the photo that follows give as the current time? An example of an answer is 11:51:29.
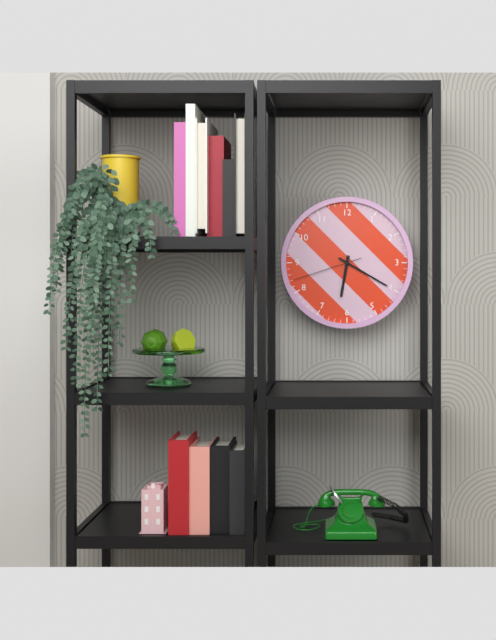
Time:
6:20:42
